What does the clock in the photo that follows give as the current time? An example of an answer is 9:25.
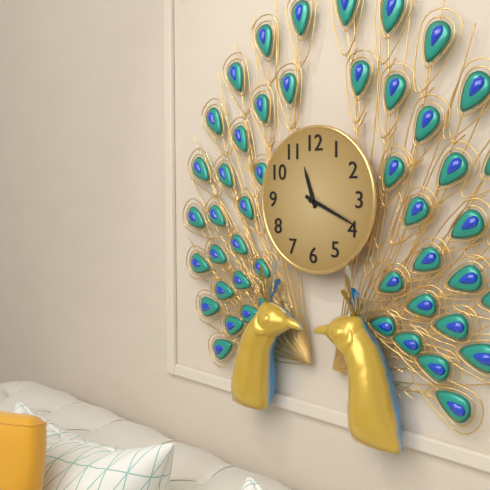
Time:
11:19
